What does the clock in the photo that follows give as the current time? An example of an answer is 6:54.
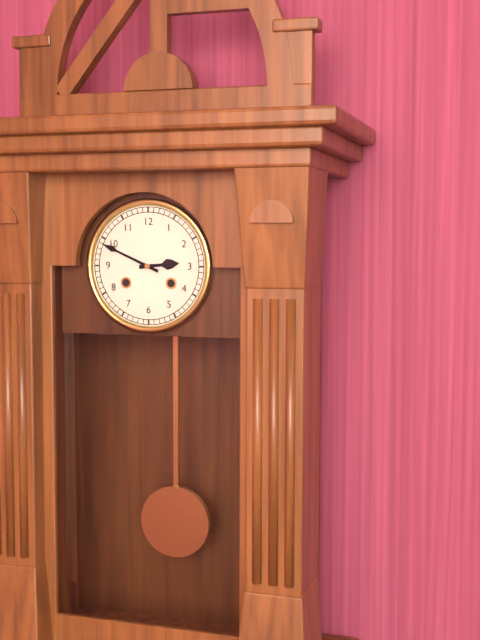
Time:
2:49
